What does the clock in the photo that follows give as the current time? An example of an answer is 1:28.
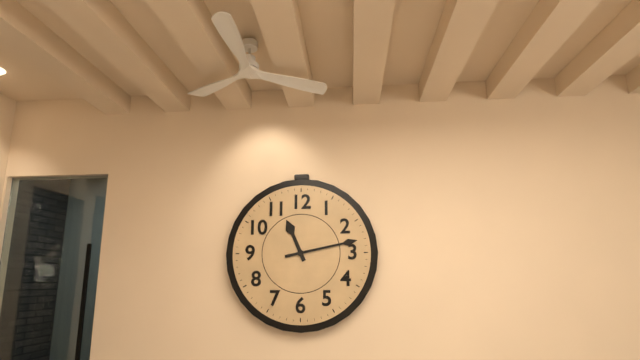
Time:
11:13
